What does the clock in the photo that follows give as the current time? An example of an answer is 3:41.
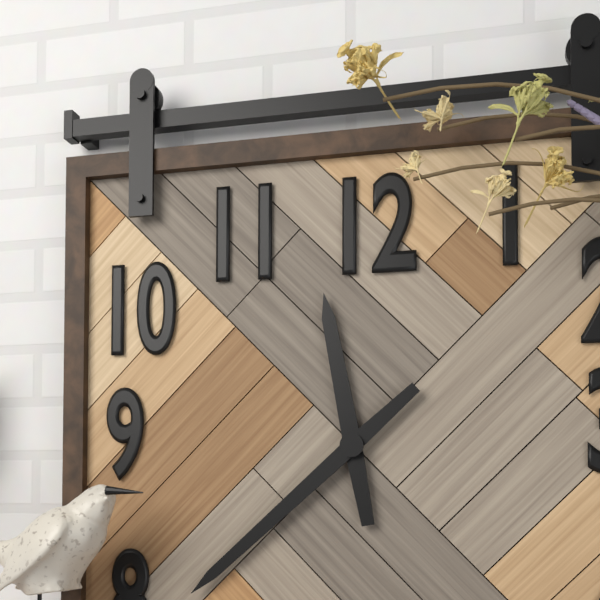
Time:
11:38
